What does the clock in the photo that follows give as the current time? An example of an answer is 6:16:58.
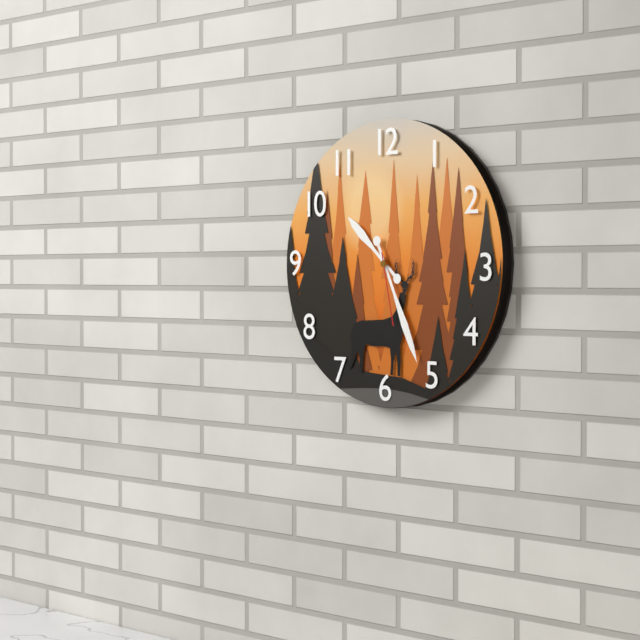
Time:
10:26:28
